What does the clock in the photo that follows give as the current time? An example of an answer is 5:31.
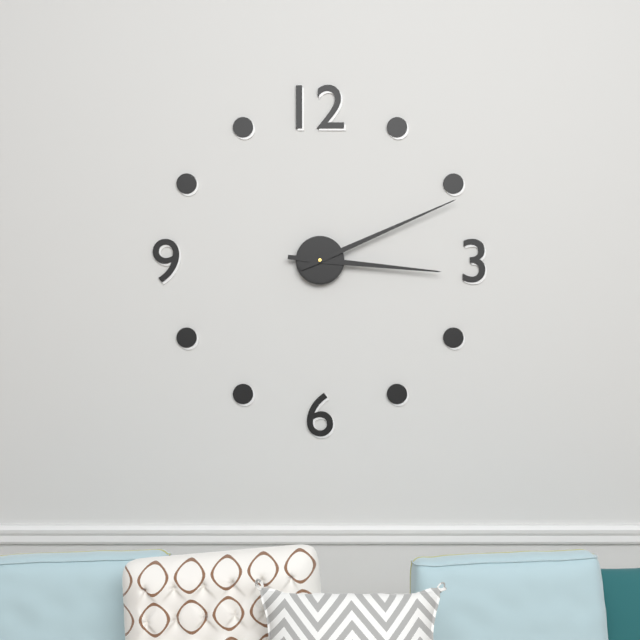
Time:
3:11
